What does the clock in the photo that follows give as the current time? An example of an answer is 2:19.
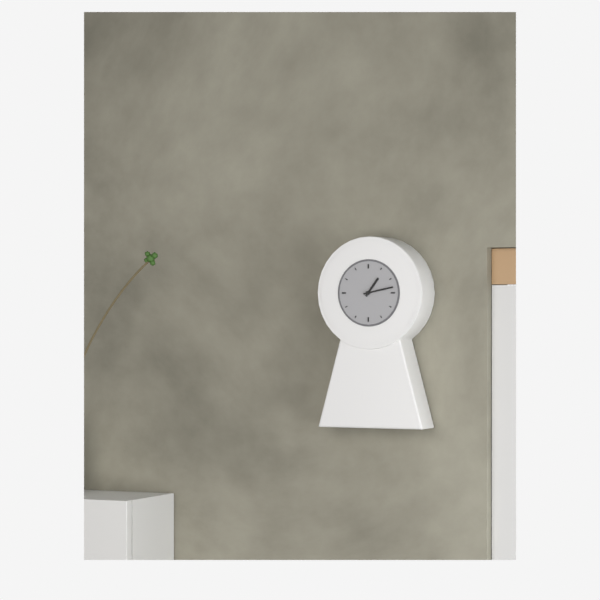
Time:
1:13
